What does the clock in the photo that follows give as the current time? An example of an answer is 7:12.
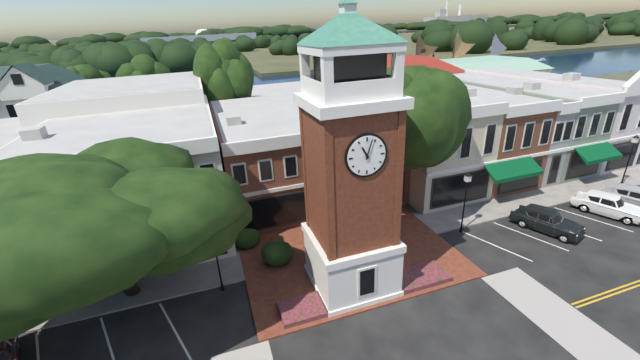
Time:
11:03
